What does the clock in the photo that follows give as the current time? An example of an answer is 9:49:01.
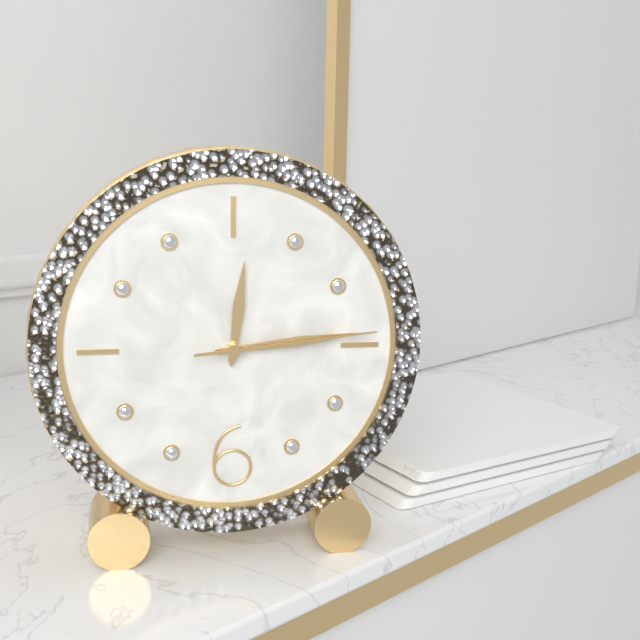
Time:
12:14:14
